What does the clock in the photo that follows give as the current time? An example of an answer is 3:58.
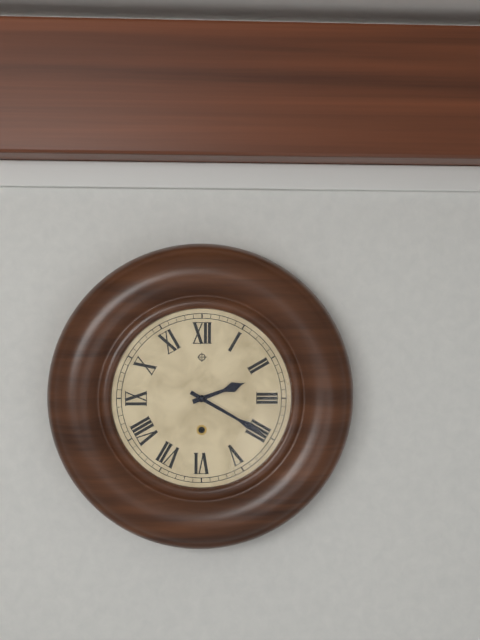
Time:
2:20
